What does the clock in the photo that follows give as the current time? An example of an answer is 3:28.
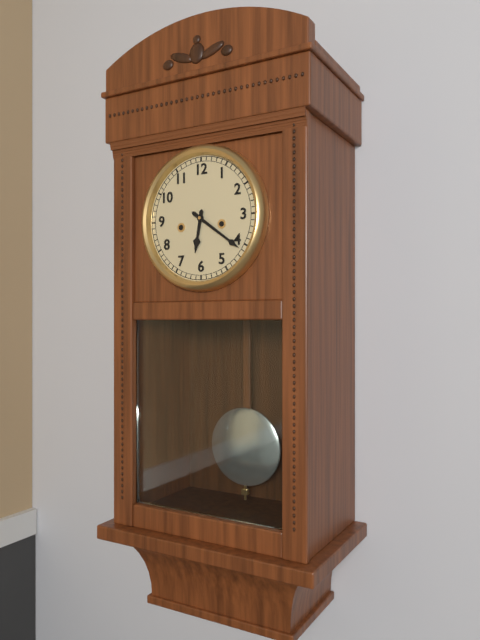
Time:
6:21
